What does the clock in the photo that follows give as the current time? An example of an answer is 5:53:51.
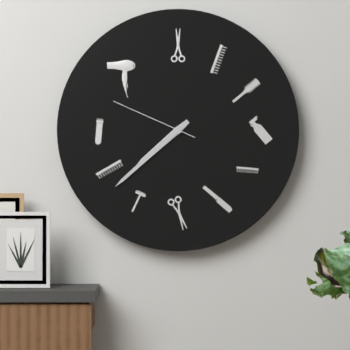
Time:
7:38:49
